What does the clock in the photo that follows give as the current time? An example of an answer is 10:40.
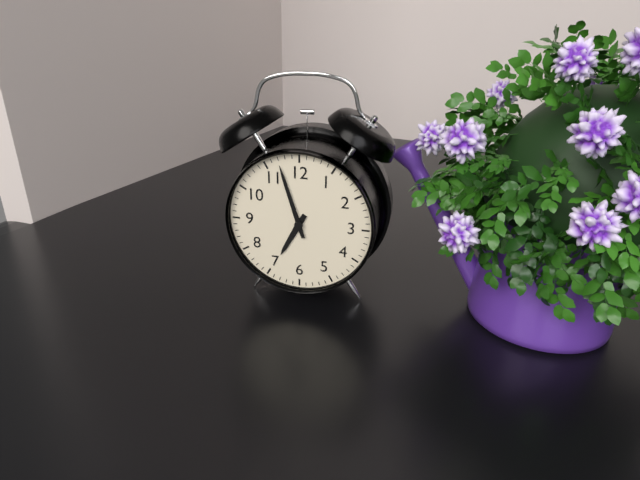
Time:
6:57
